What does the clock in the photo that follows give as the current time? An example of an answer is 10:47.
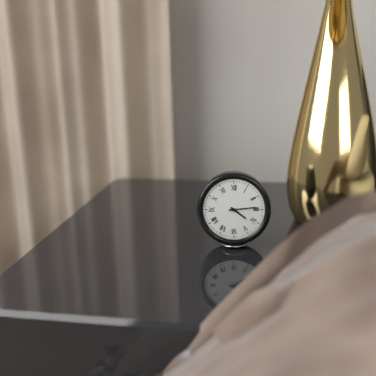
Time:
4:14
